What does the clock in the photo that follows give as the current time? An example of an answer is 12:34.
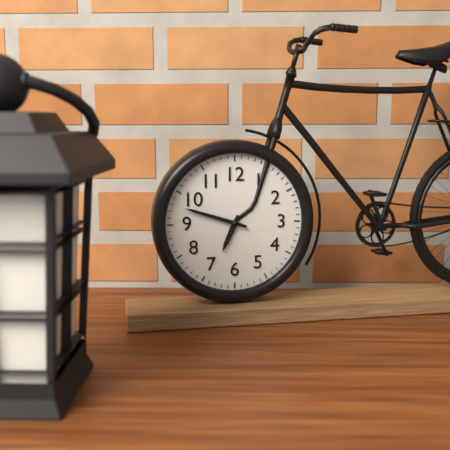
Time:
6:48
